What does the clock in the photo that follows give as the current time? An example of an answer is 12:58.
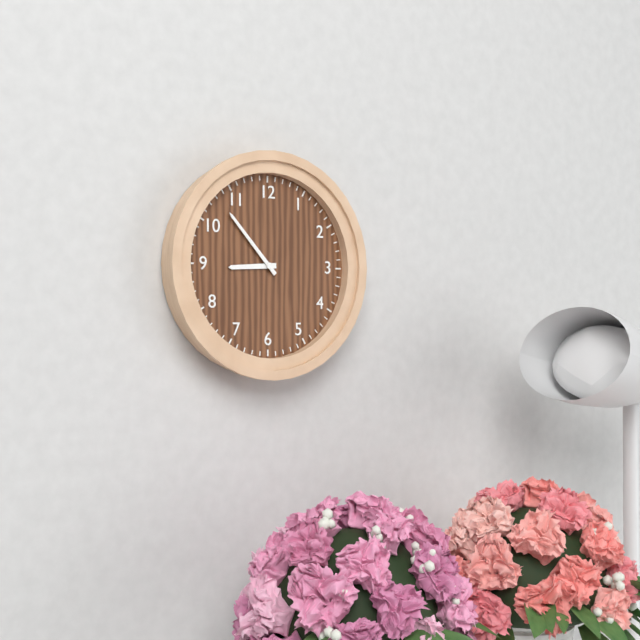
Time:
8:53
